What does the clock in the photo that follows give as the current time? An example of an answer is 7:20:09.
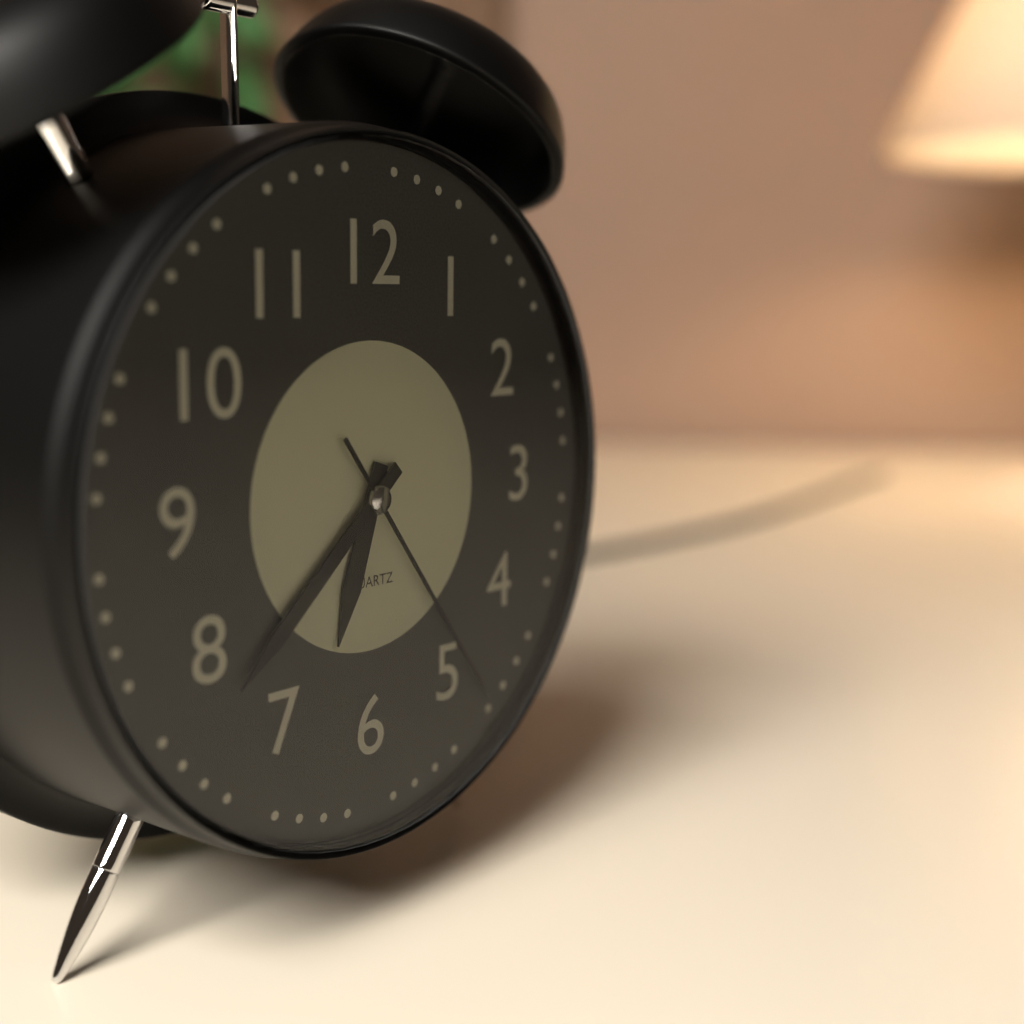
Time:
6:38:24
